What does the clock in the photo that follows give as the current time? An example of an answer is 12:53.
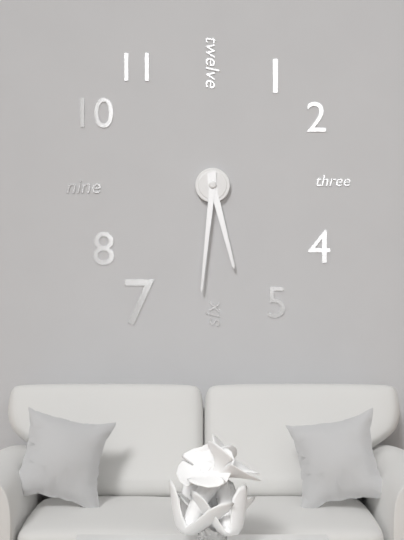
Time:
5:31
